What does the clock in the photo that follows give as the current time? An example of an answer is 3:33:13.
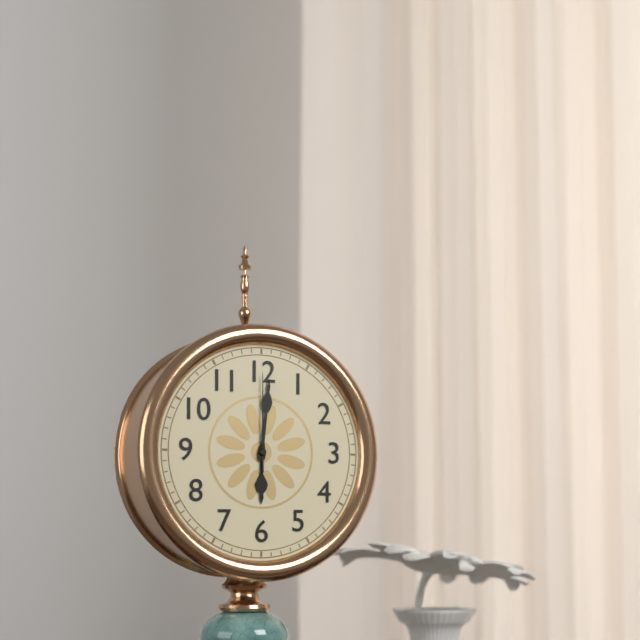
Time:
6:01:00
